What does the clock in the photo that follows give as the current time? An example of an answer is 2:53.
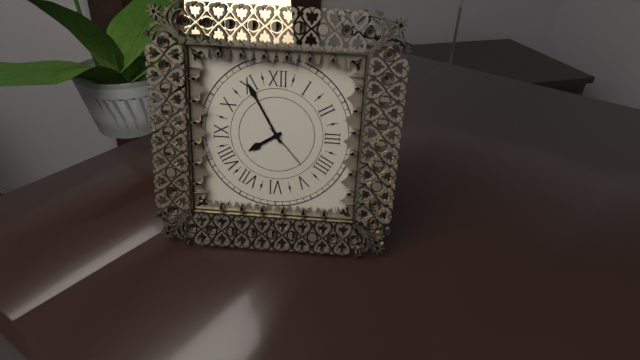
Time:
7:55
